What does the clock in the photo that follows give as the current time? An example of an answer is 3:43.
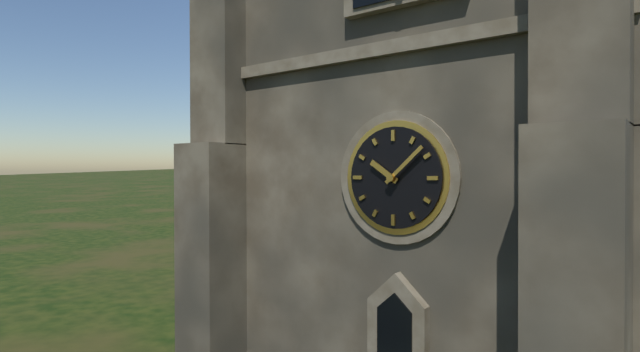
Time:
10:08
